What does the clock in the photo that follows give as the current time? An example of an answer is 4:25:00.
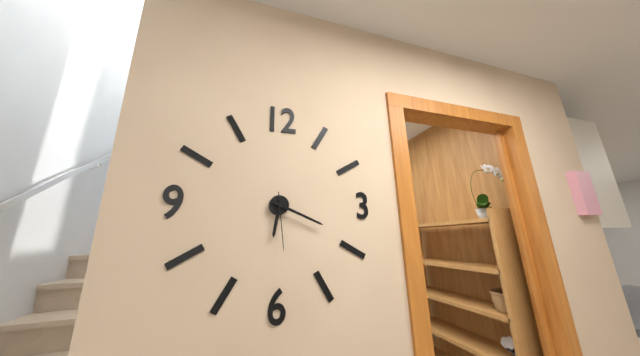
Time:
6:19:29
